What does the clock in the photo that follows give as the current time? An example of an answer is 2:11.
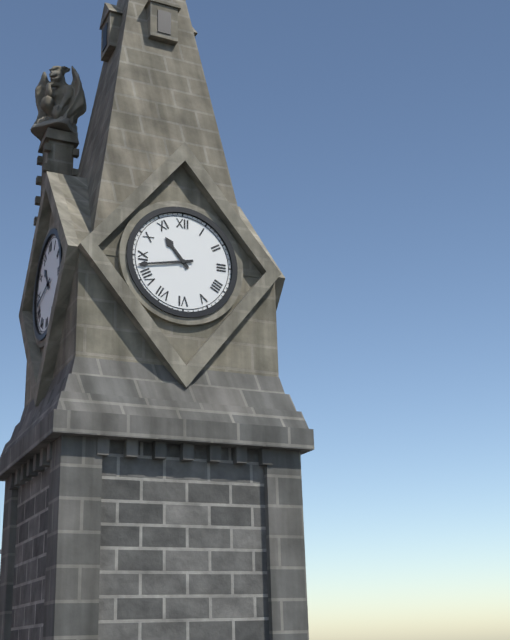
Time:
10:43
